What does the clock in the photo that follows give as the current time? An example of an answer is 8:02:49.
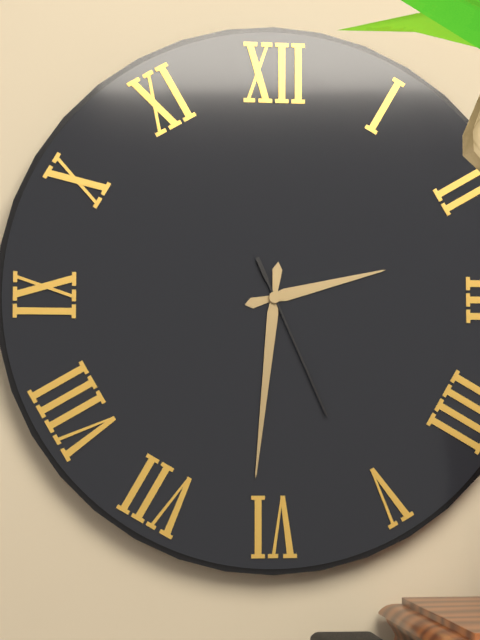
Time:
2:31:26
